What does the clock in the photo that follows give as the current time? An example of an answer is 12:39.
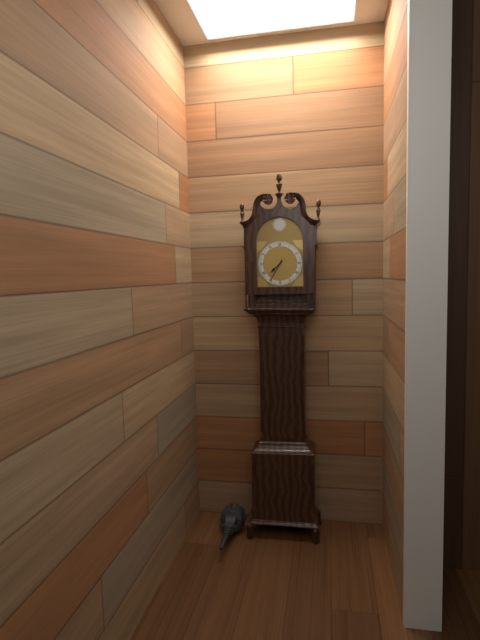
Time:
7:35
